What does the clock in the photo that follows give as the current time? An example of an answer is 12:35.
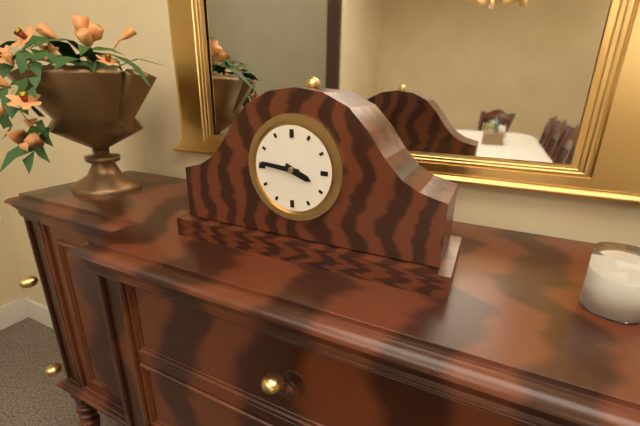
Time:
3:46
